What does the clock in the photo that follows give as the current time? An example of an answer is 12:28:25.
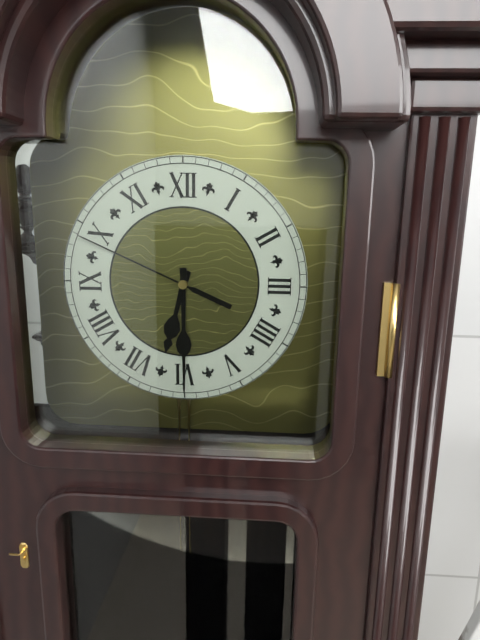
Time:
6:30:49
